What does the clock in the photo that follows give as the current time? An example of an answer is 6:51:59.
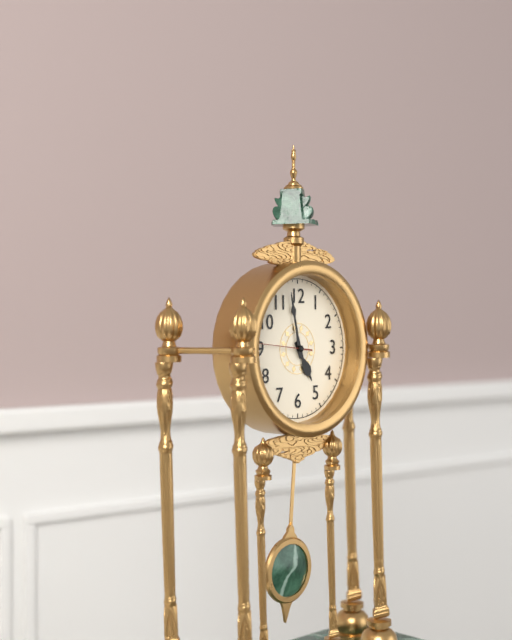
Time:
4:58:46
